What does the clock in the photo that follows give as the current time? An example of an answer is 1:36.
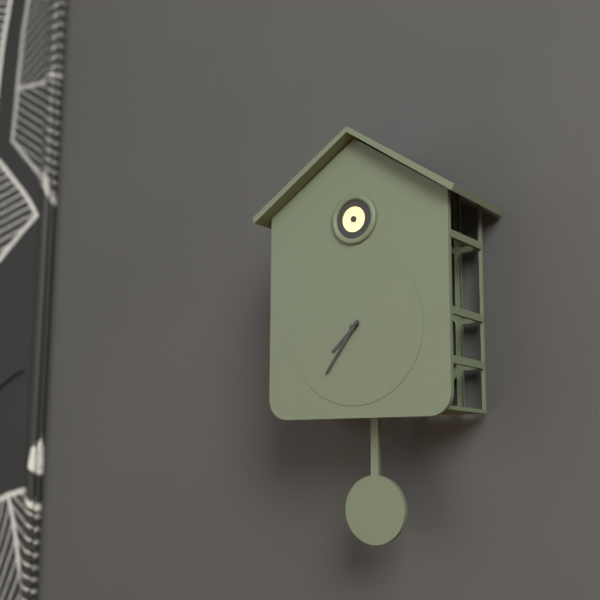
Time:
7:36
